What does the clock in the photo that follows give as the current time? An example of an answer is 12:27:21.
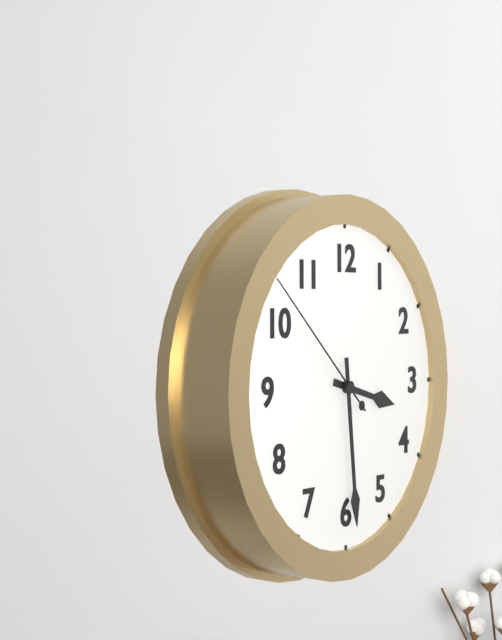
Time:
3:29:52
